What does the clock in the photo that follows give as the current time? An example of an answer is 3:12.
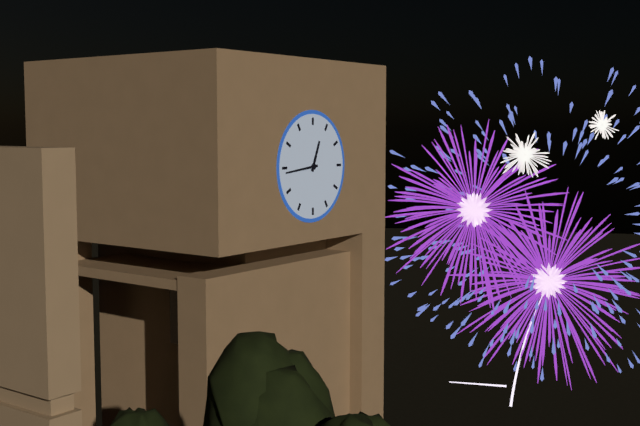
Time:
12:44
